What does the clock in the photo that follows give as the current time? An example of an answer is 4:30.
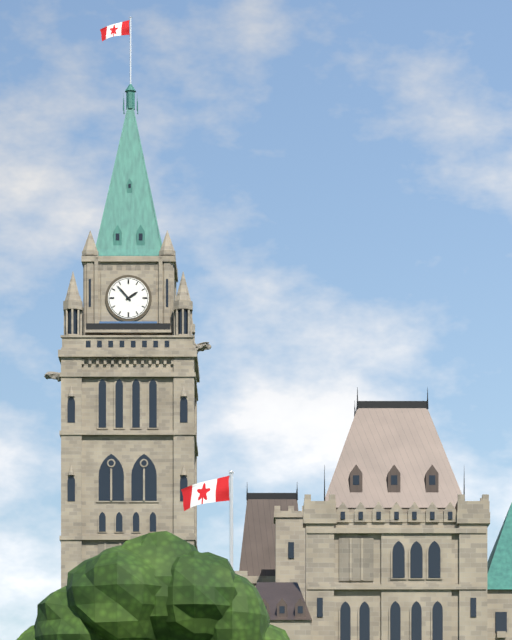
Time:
1:53
